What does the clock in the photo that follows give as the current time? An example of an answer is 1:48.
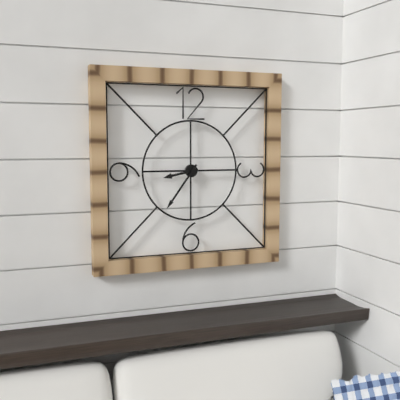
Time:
8:36
